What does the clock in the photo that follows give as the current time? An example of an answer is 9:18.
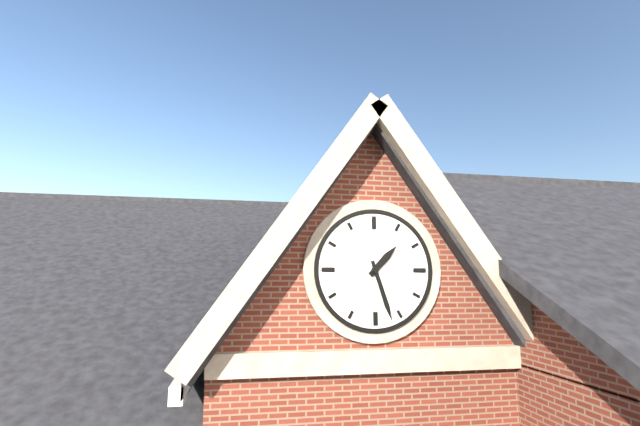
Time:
1:27
